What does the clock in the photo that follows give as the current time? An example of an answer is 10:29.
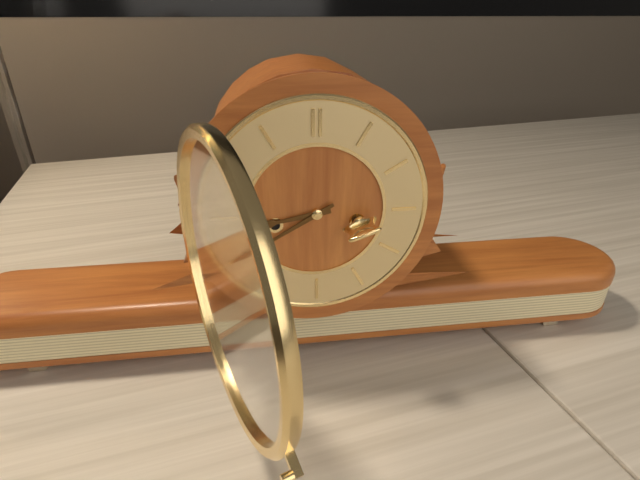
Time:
8:40
